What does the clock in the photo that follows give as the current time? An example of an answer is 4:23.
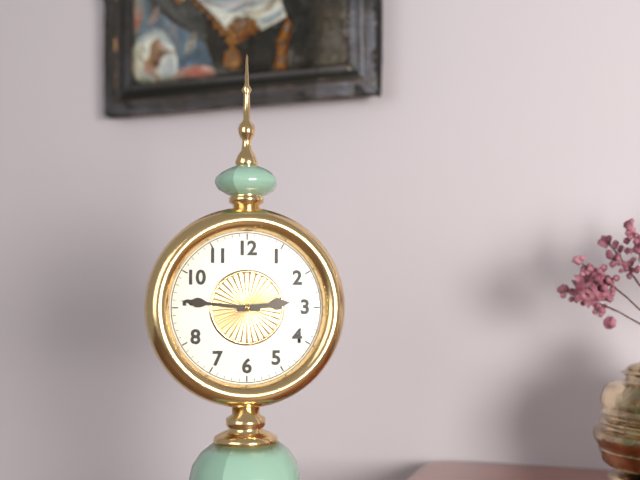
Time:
2:46
